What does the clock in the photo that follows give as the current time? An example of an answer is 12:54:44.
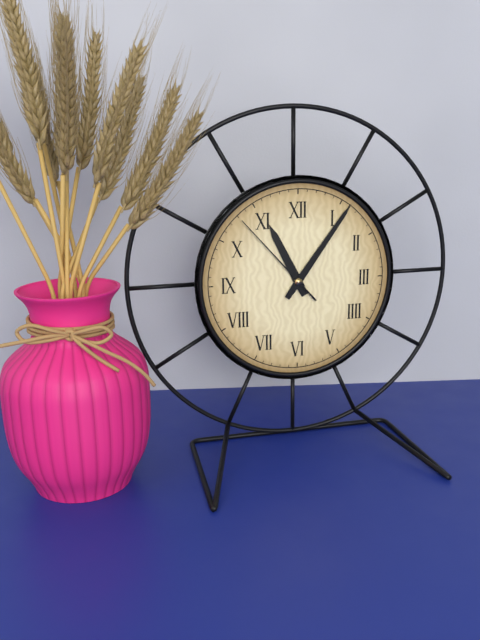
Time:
11:06:53
